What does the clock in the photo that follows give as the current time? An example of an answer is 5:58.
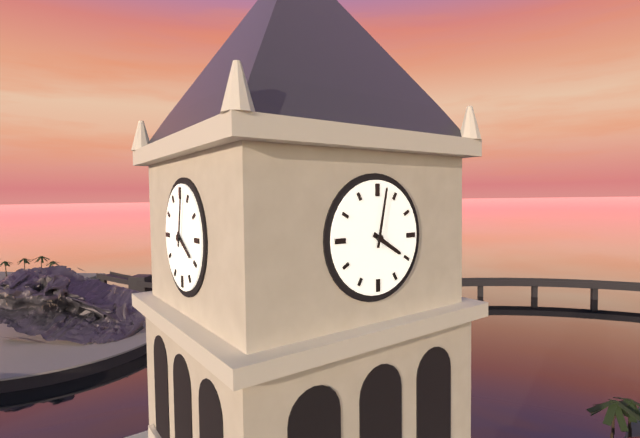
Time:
4:02
